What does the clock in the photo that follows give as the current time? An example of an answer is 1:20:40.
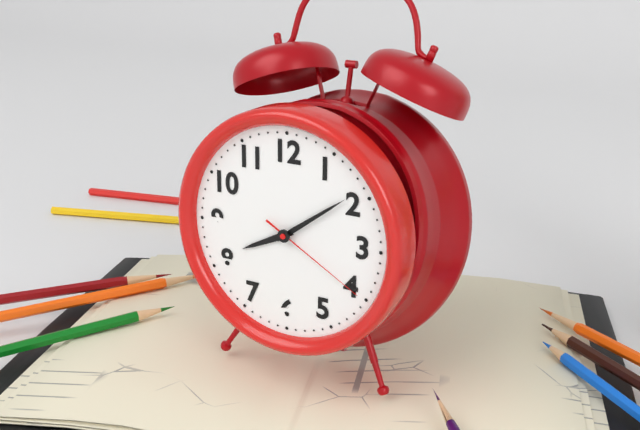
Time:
8:09:20
